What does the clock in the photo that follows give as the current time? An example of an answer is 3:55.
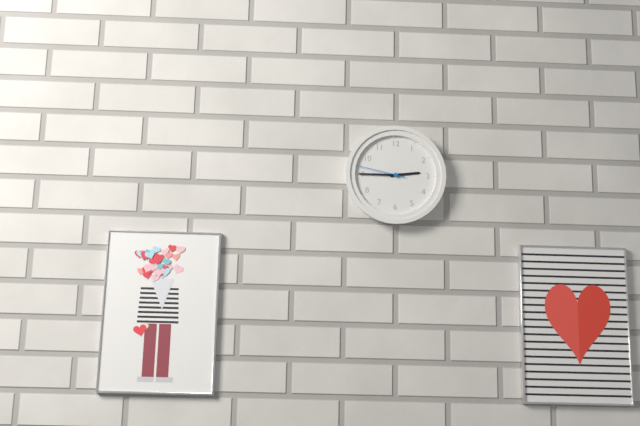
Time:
2:45
